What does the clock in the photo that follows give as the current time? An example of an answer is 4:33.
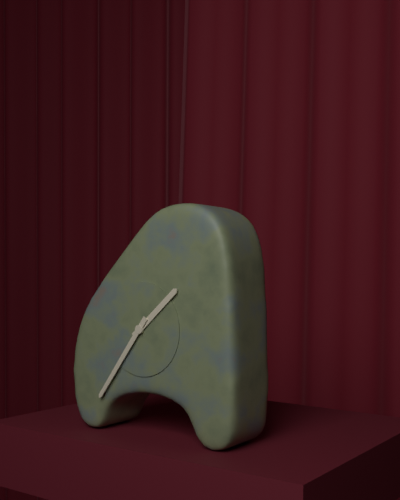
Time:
1:36
